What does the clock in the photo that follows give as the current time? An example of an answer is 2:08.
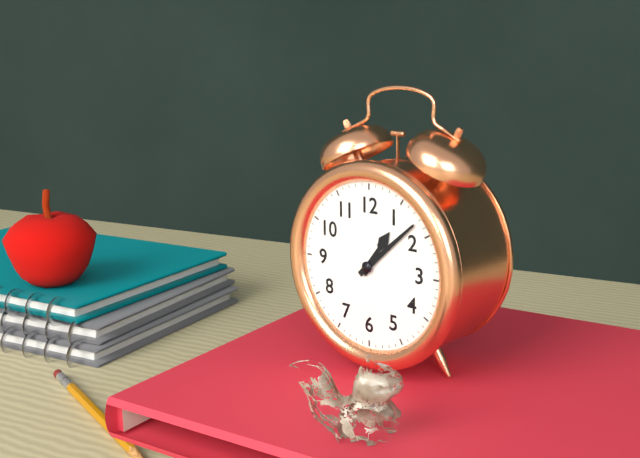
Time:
1:08
